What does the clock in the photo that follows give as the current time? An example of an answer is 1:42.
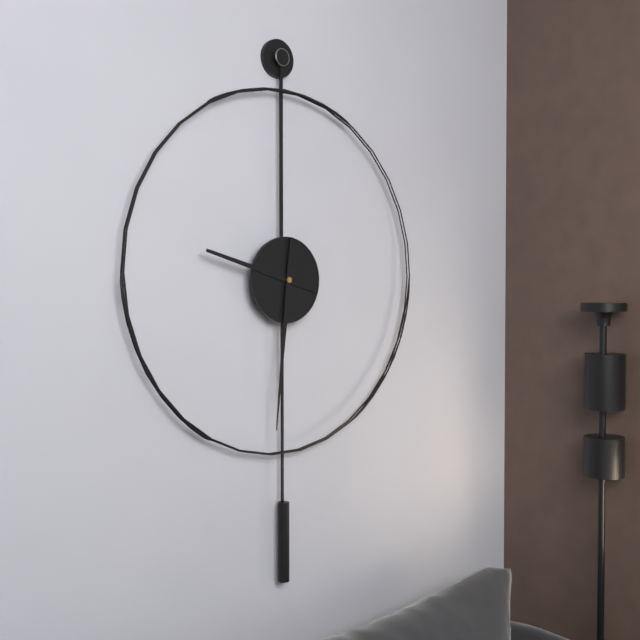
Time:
9:31
